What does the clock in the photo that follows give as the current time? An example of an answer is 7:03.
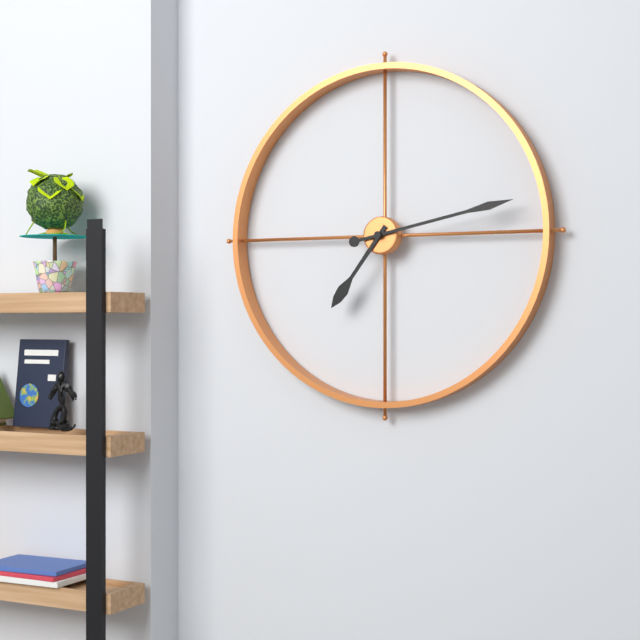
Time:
7:13
